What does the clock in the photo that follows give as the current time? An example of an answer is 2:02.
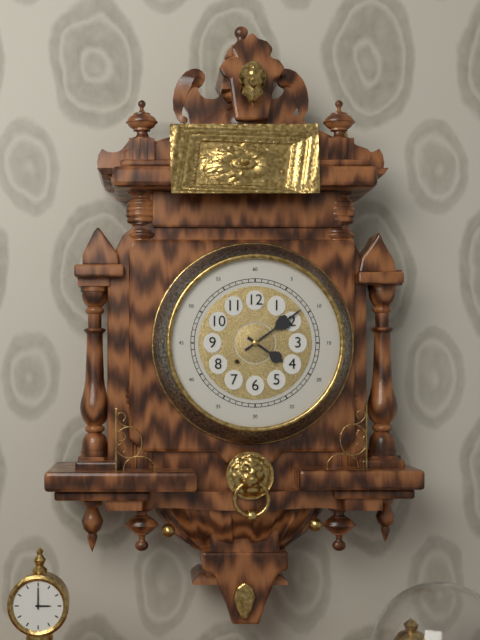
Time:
4:09
